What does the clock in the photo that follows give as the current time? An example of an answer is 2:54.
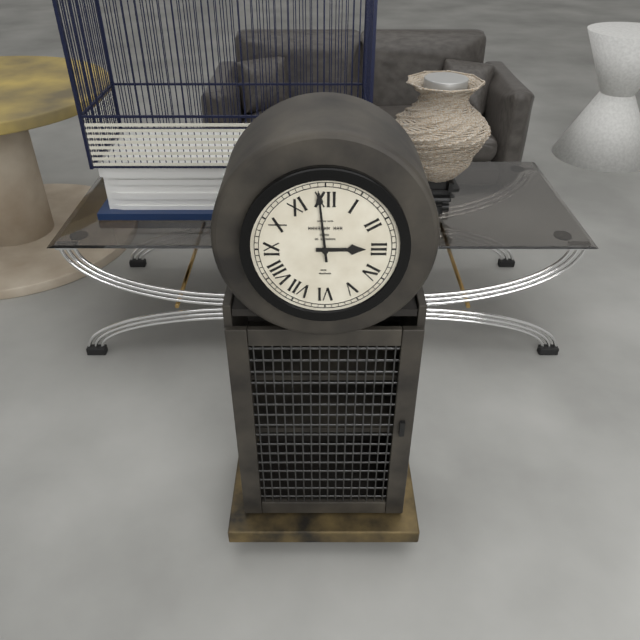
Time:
2:59
